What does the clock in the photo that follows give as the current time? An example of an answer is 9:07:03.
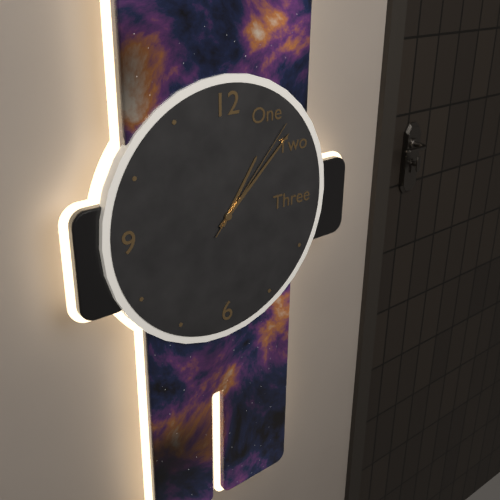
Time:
1:08:07
